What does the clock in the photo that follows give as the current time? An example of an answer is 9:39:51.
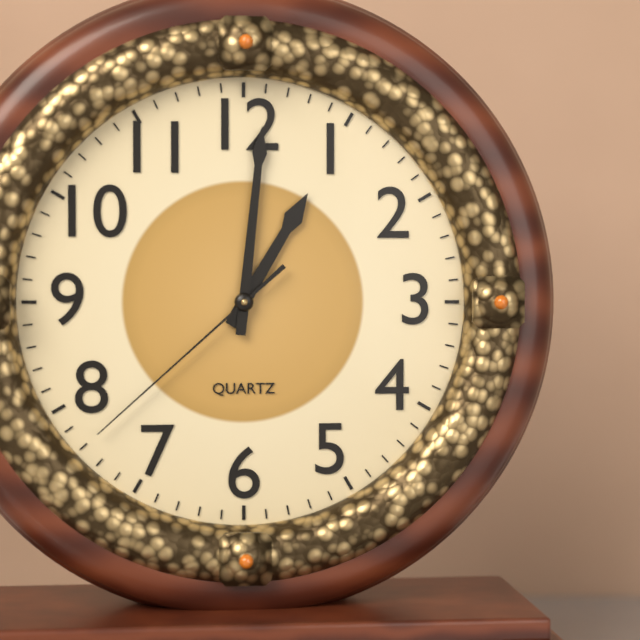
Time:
1:01:38
